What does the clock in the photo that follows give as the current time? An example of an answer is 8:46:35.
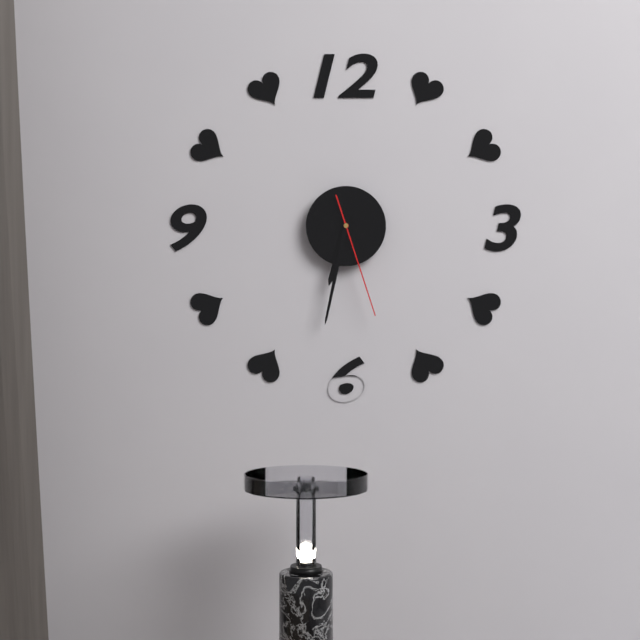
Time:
6:32:27
